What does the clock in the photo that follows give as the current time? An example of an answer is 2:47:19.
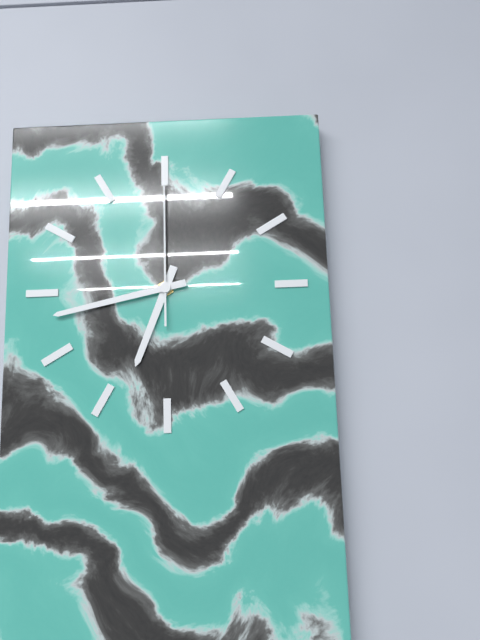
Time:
6:43:00
